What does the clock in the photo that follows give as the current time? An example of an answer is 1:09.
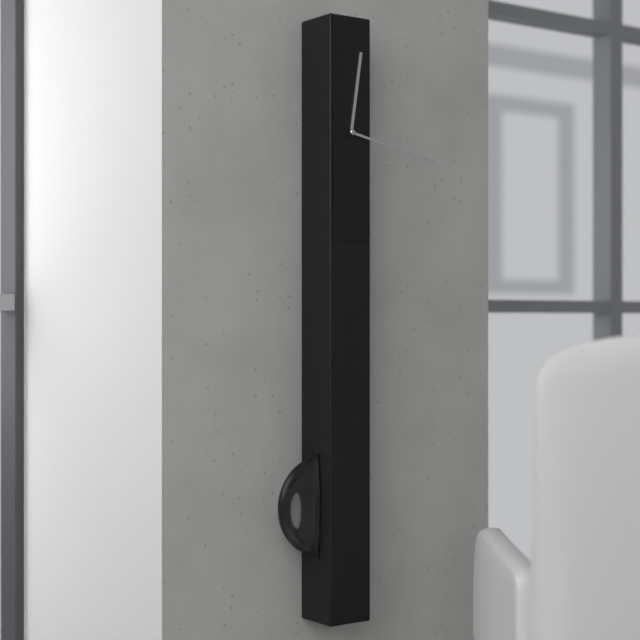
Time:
12:17
